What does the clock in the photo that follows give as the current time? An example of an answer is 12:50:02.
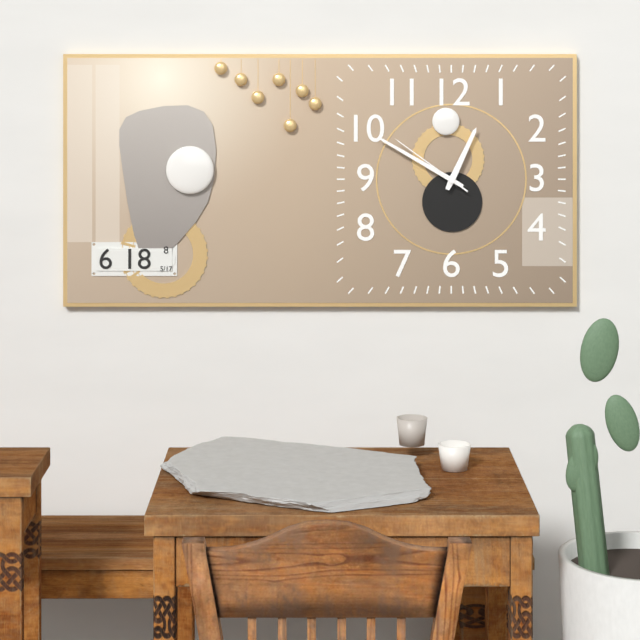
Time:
12:50:51
